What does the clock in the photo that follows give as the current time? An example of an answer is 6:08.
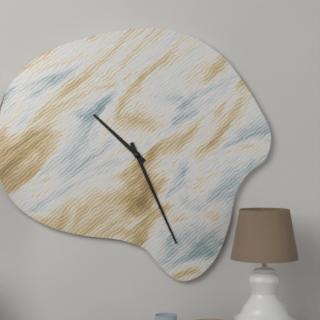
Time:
10:26
